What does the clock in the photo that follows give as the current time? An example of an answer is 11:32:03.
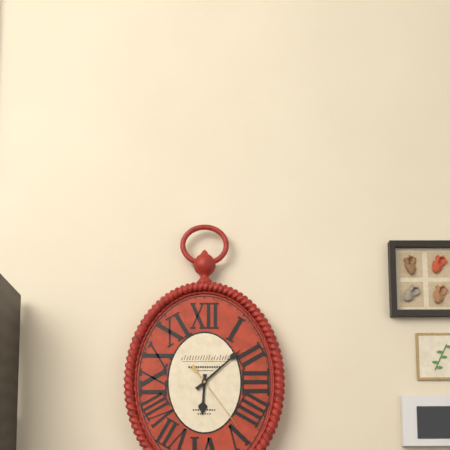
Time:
6:08:24
